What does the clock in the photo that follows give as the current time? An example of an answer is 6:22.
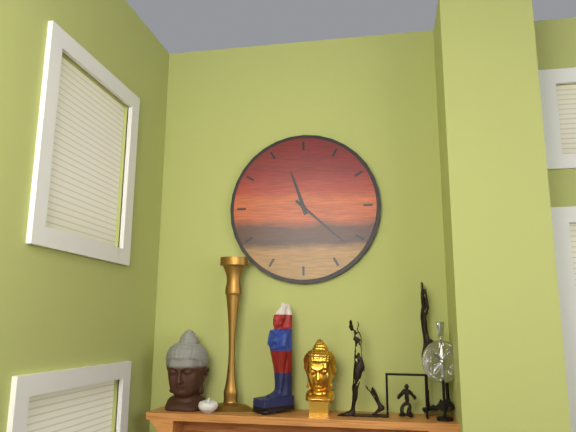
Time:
11:22
